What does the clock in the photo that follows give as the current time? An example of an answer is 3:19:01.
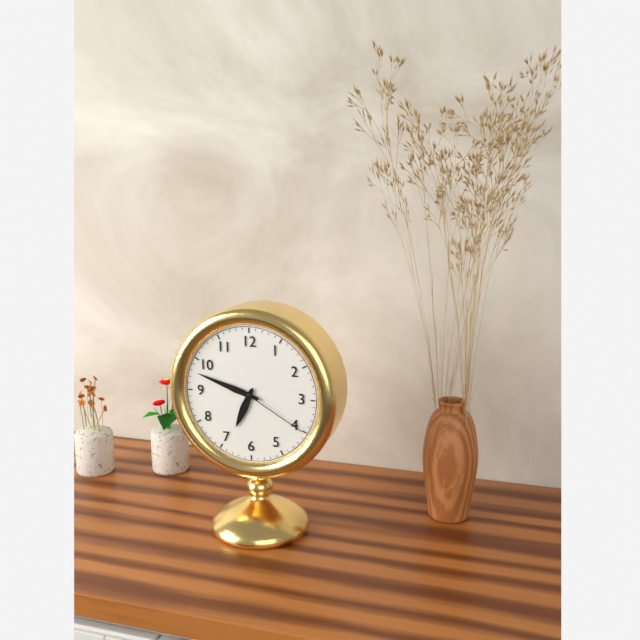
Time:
6:48:20
